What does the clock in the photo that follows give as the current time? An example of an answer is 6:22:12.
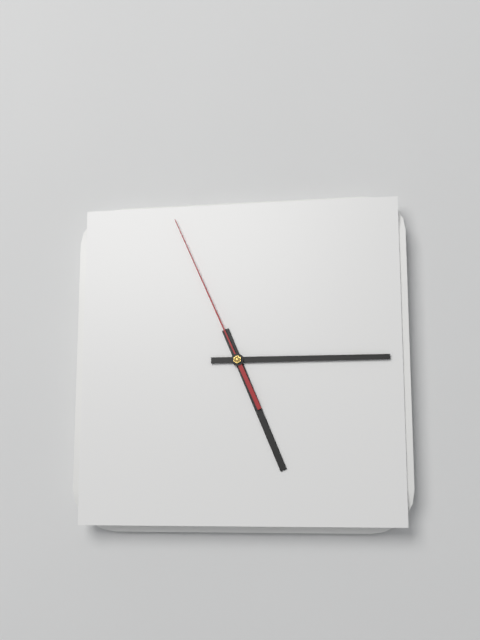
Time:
5:15:56
